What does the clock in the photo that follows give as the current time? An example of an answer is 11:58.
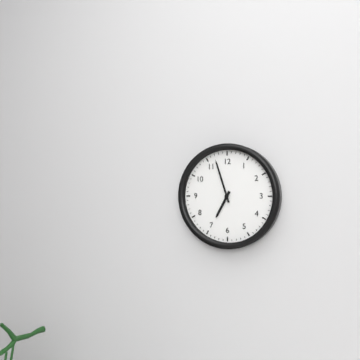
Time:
6:57
